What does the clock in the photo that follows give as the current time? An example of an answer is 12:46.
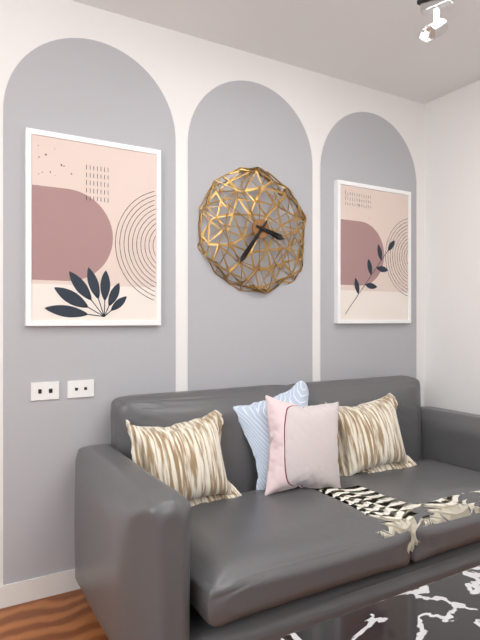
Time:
3:36
